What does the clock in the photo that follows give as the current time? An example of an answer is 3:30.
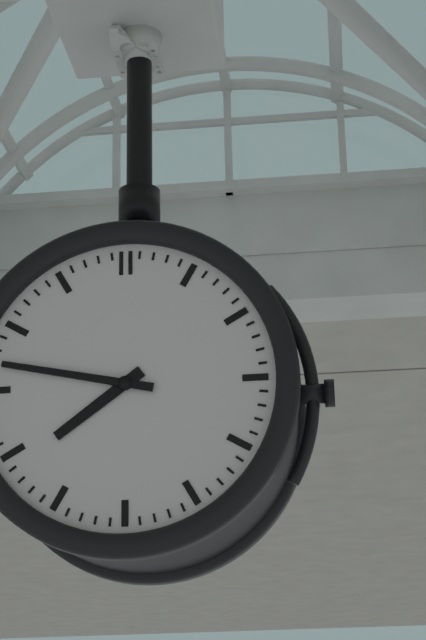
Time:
7:47
